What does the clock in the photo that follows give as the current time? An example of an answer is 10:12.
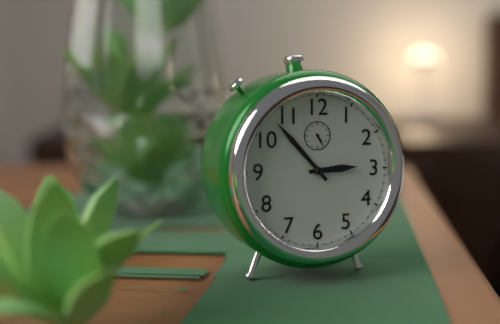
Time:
2:53
